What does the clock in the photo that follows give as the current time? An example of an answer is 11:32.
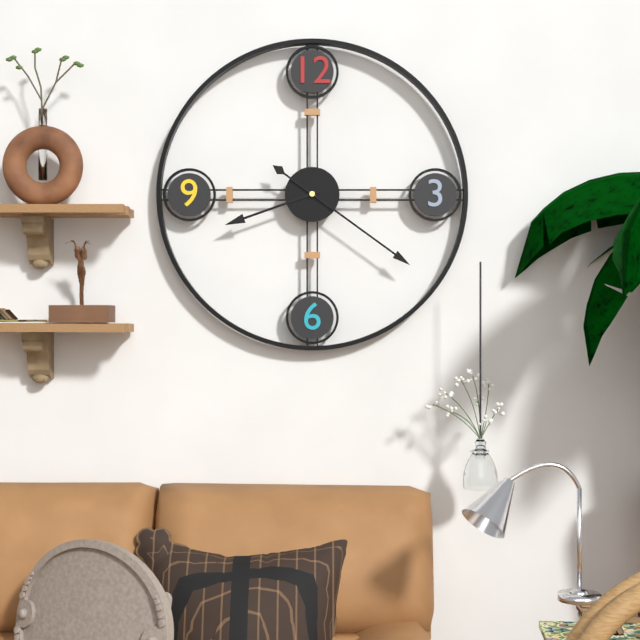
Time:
8:21
